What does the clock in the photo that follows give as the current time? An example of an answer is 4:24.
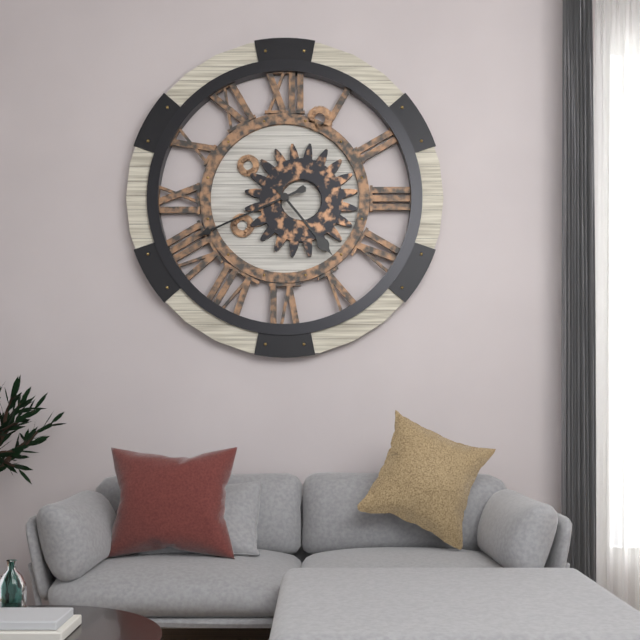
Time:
4:41
